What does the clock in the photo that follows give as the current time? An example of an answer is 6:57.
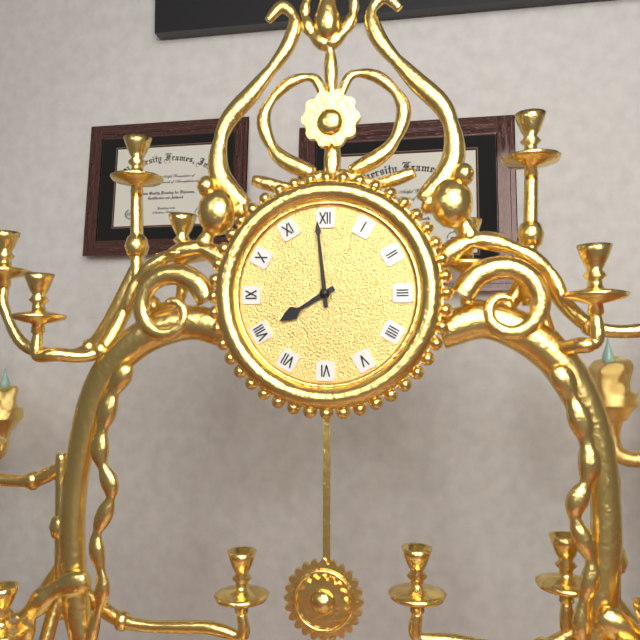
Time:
7:59
